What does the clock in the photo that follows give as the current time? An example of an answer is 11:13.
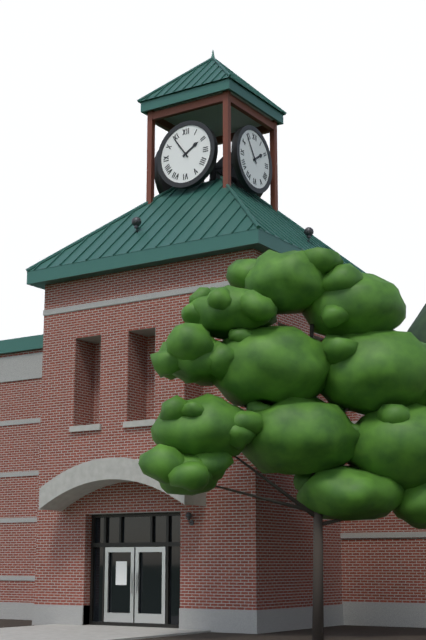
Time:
1:54
